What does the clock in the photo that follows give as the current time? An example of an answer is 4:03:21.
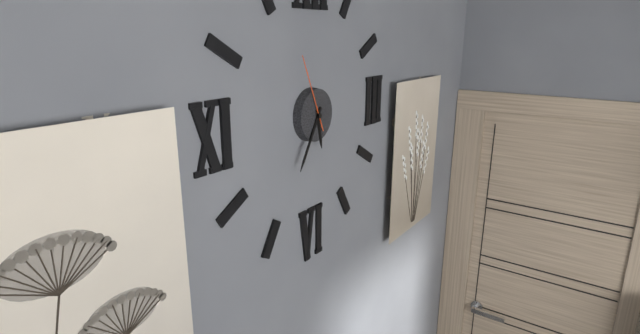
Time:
5:35:56
